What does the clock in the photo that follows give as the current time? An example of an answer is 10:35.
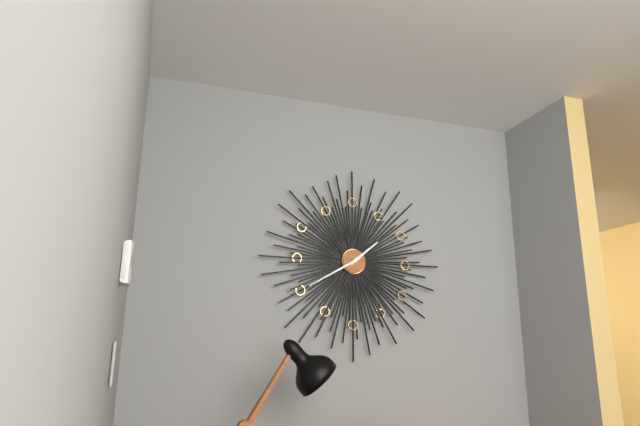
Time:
1:40
